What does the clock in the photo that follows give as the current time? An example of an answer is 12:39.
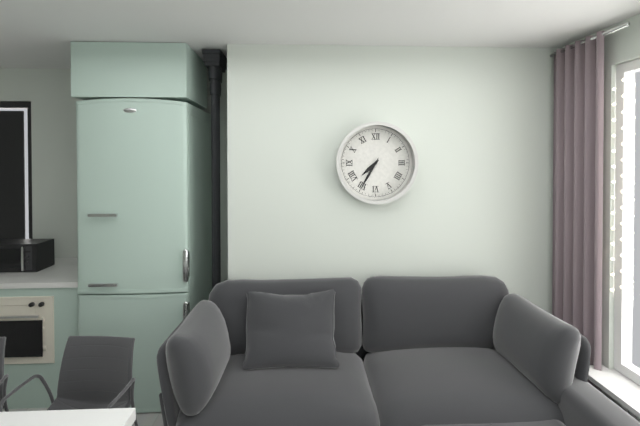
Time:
7:35
